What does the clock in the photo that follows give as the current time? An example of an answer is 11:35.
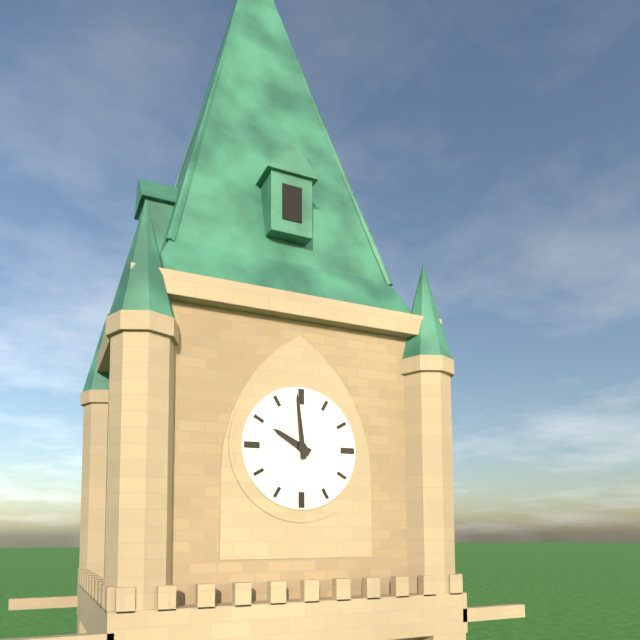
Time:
9:59
